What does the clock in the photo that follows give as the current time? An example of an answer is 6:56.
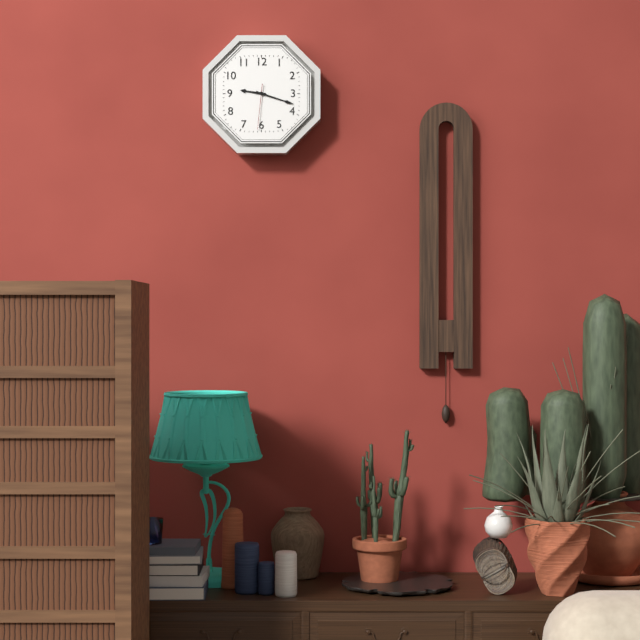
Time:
9:18
